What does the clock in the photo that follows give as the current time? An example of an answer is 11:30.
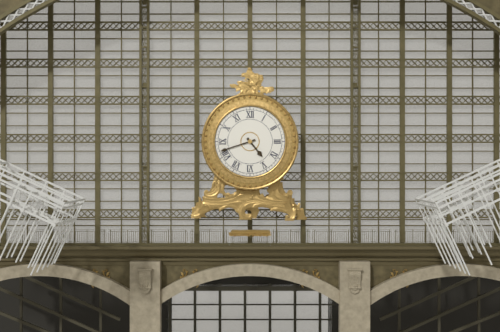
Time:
4:42
